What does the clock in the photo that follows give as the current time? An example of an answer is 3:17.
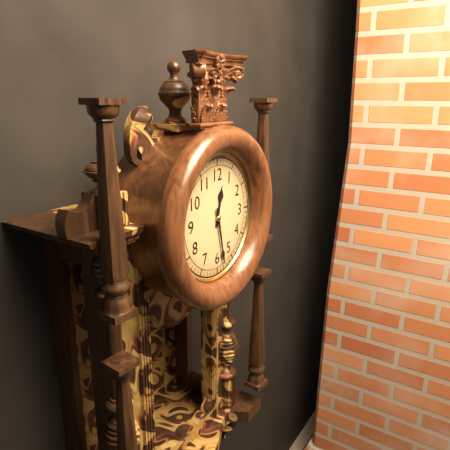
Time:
12:28
